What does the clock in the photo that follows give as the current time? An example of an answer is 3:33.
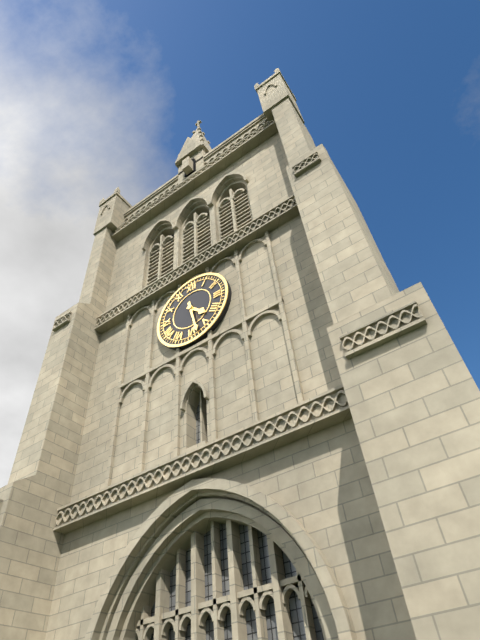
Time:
4:28
